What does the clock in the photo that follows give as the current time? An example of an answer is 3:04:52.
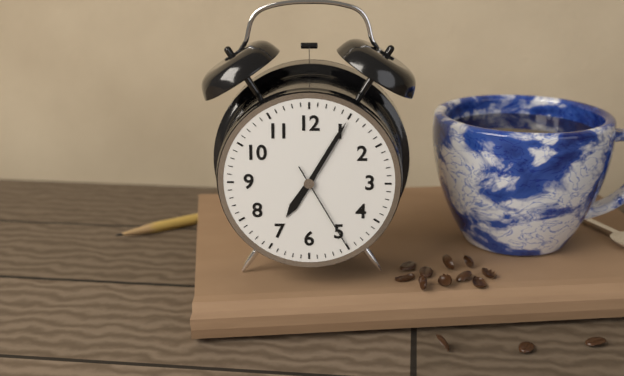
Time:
7:05:25
